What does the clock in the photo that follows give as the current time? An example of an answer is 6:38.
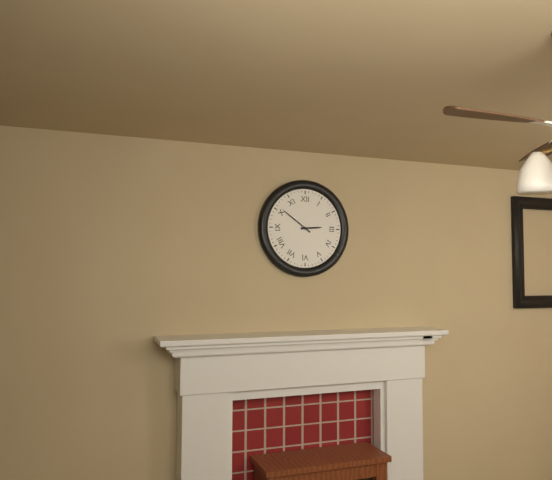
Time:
2:51
